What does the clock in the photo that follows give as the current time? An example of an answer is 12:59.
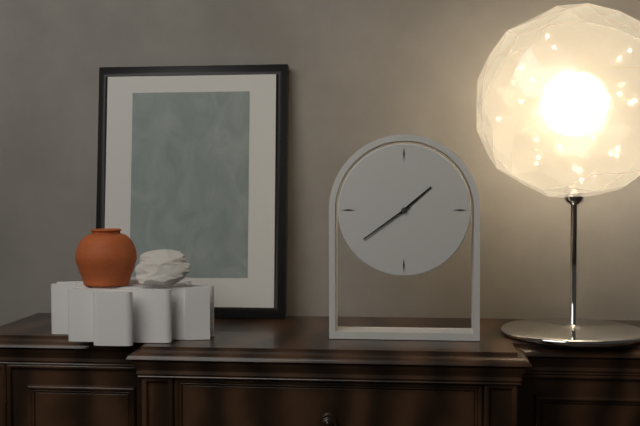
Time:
1:39
